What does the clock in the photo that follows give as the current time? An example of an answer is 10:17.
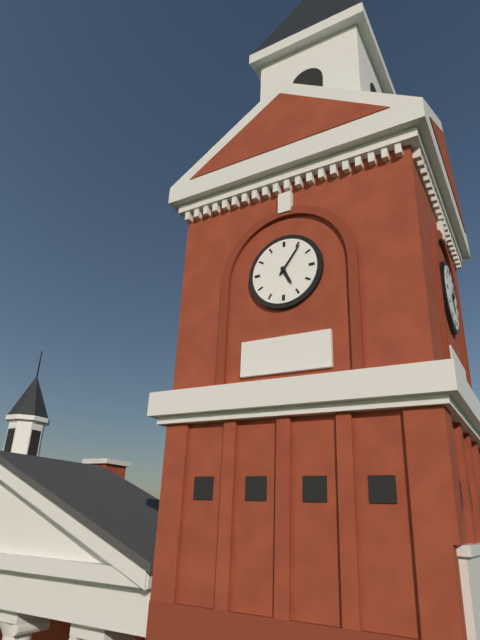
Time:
5:06
